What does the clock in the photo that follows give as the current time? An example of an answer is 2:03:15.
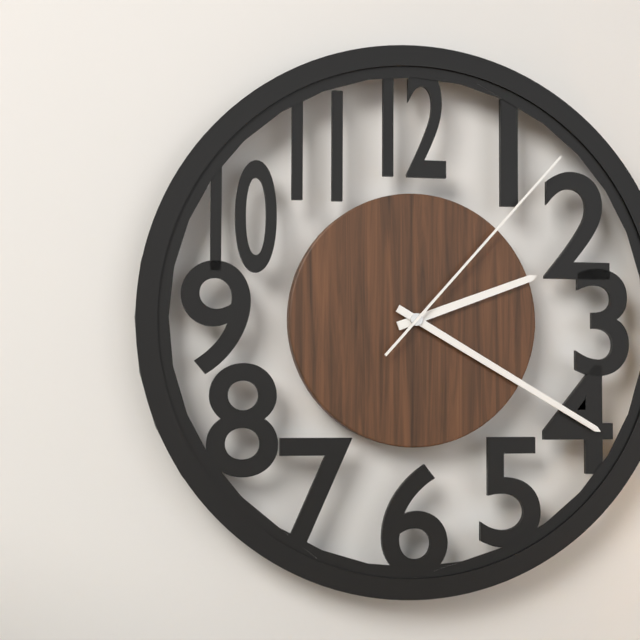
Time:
2:20:07
